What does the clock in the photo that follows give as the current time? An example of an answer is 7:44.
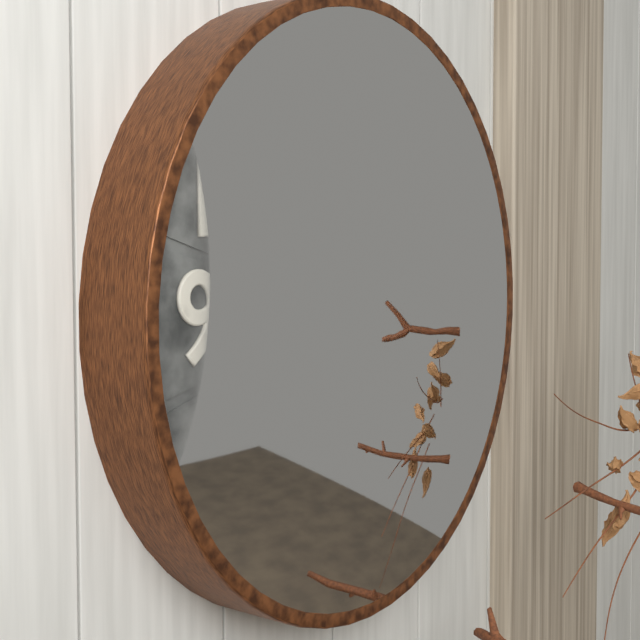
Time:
11:27
